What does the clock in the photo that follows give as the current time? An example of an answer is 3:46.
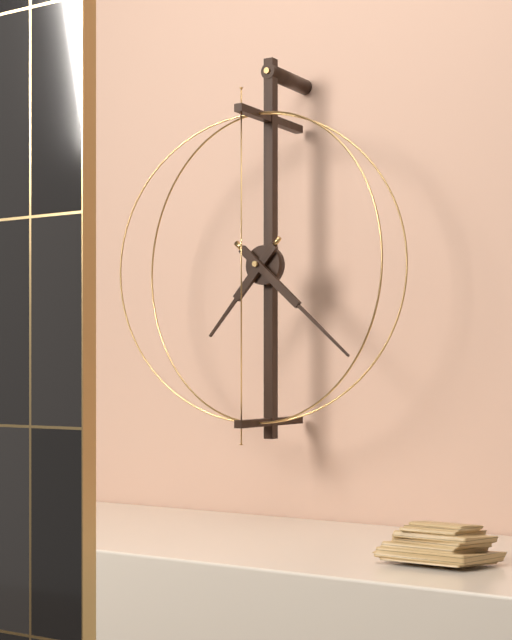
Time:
7:22
